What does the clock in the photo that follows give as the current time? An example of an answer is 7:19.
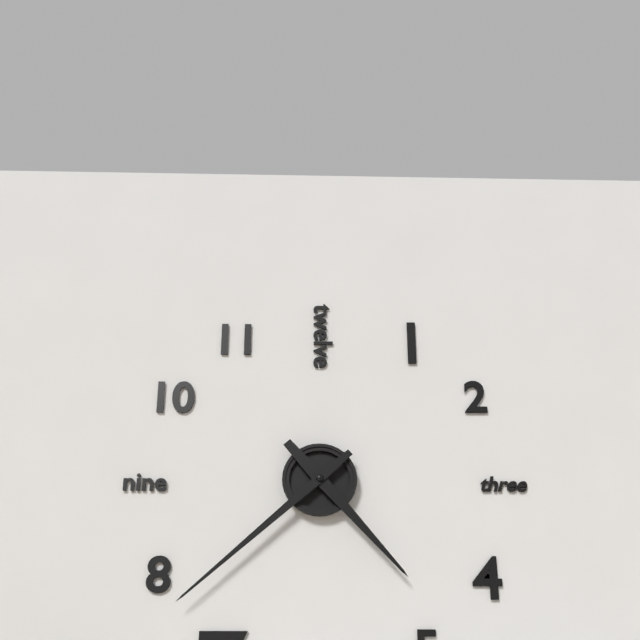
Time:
4:38
